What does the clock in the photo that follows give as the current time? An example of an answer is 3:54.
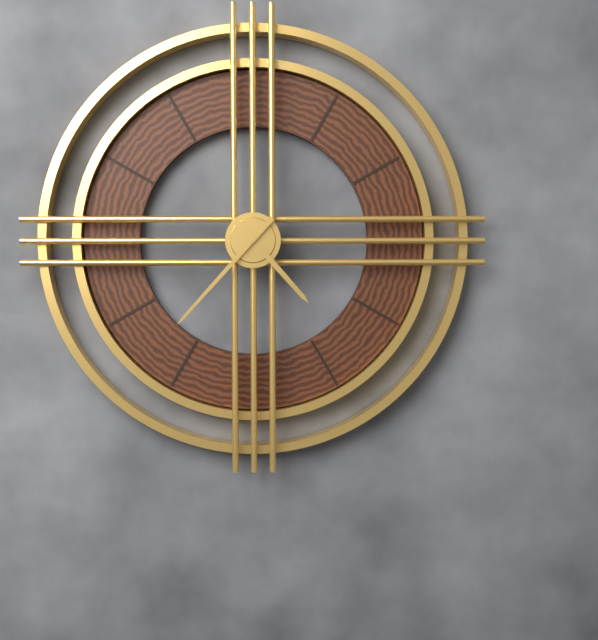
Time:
4:37
